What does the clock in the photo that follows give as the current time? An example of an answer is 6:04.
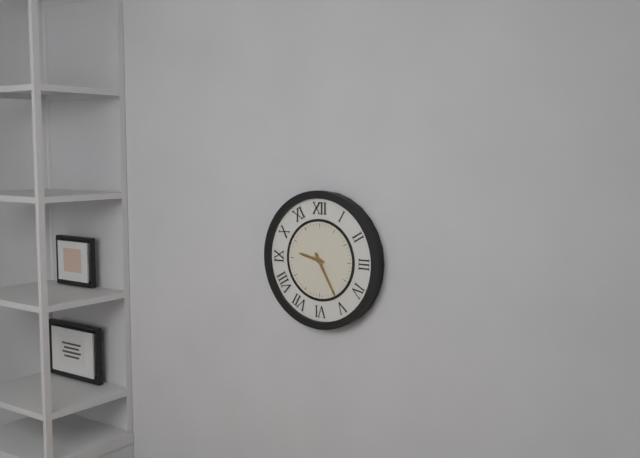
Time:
9:25
